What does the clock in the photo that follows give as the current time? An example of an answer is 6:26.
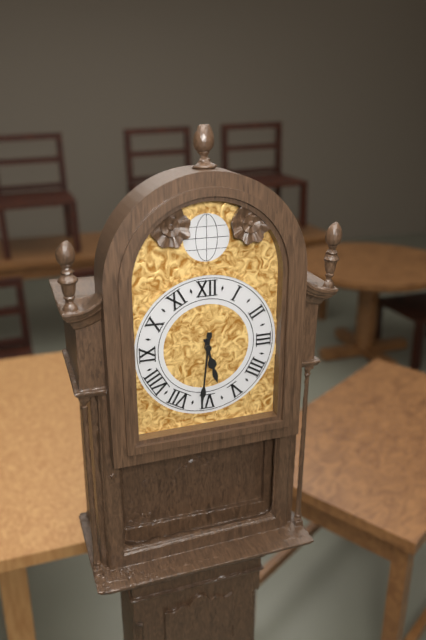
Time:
5:31
